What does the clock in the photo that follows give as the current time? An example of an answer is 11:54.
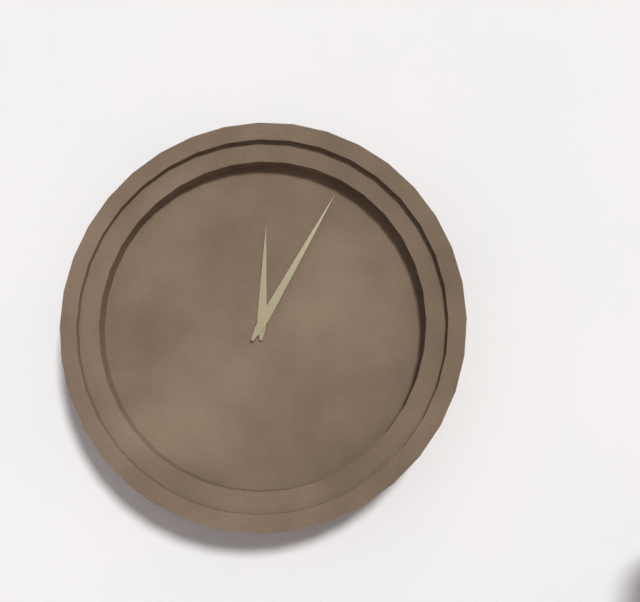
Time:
12:05
